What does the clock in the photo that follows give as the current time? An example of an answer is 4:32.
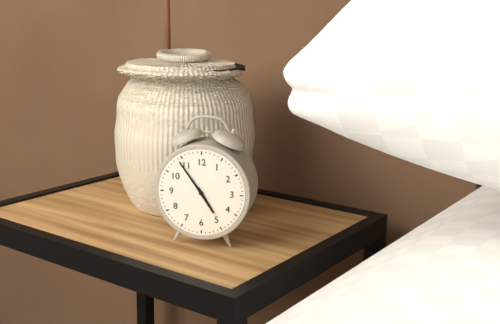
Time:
4:54
